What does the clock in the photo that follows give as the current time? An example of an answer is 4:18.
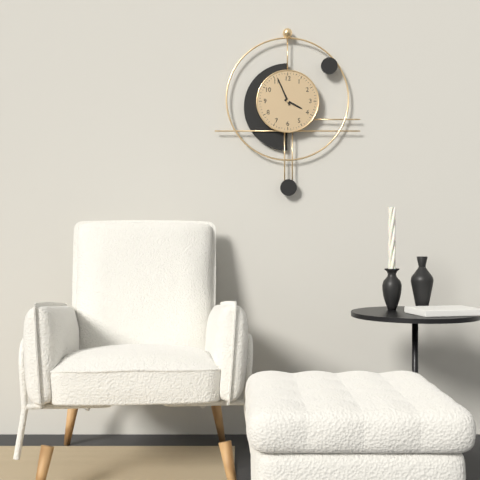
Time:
3:56
